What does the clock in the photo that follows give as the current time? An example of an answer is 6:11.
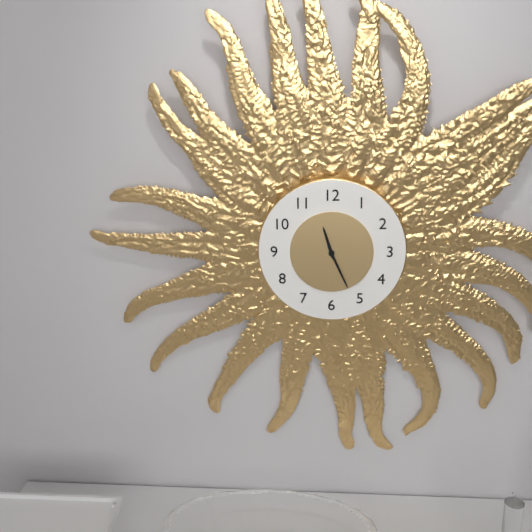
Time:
11:26
